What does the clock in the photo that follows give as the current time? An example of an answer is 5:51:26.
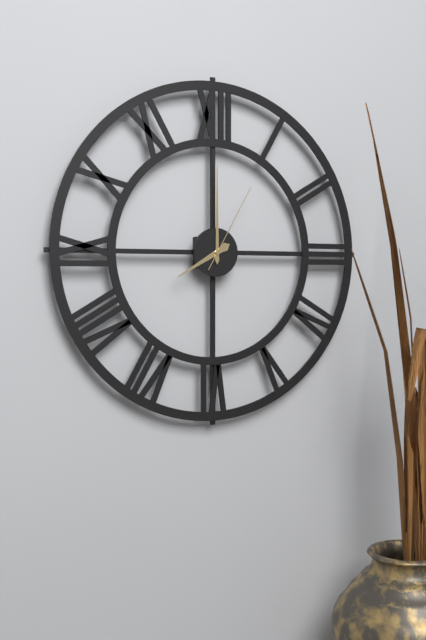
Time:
8:00:05
